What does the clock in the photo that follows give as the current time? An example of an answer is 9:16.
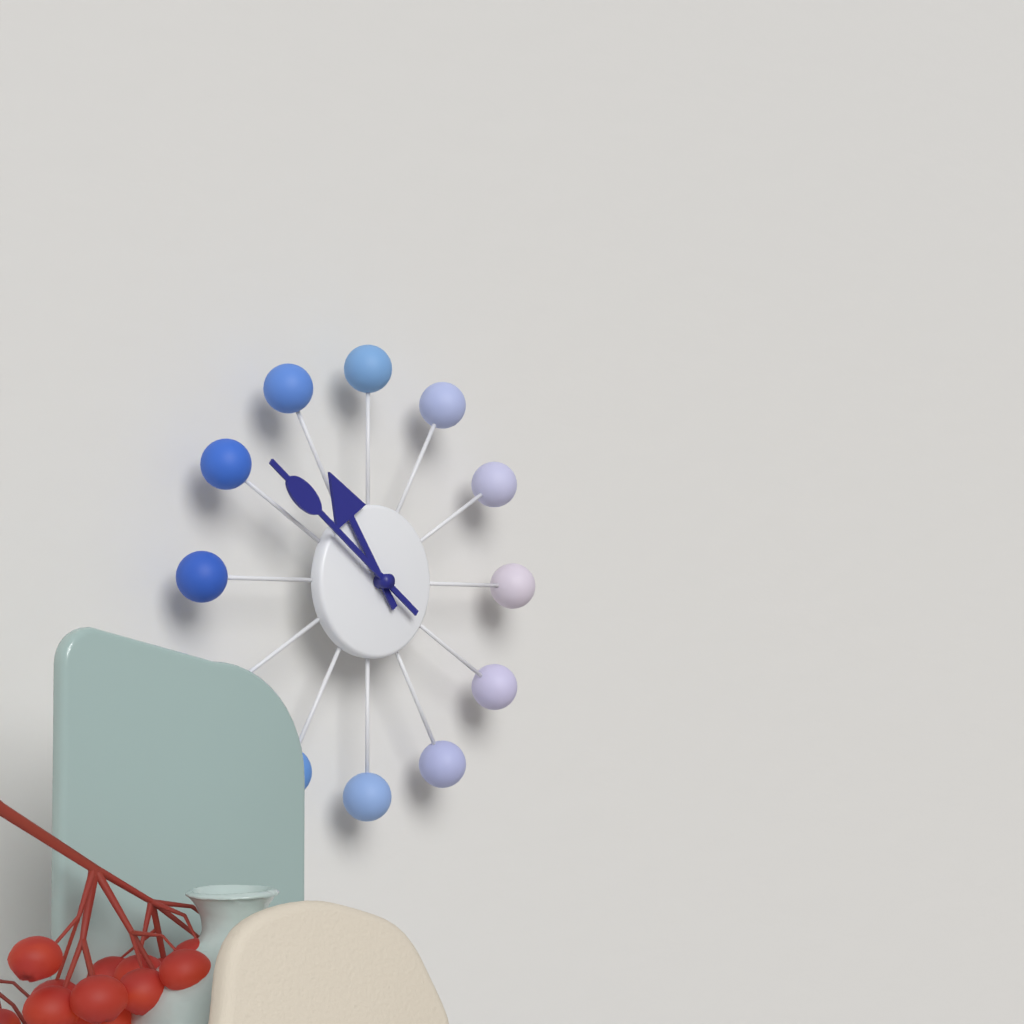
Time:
10:51
